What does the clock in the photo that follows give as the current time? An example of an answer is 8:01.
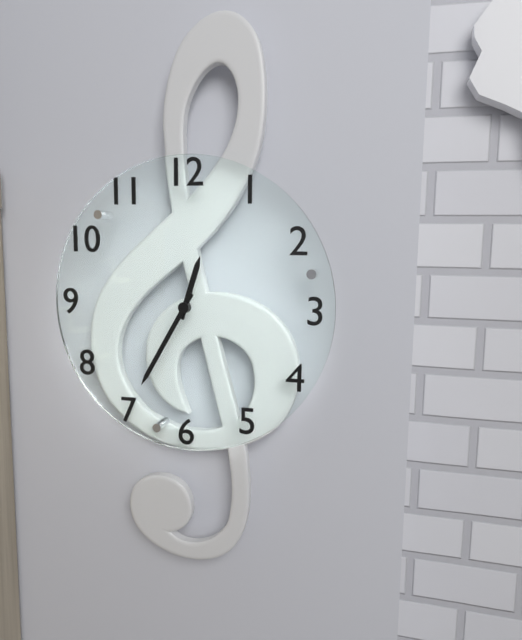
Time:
12:35
